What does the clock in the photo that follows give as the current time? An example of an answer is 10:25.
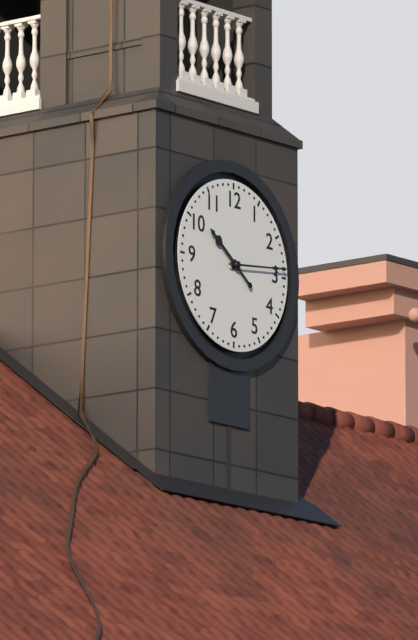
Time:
10:14
